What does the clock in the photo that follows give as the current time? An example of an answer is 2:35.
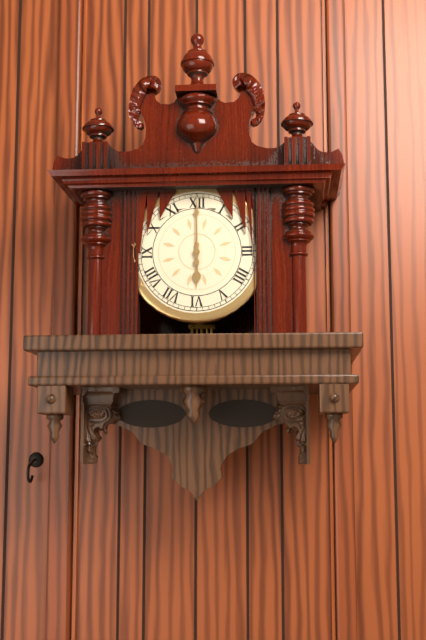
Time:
6:00
